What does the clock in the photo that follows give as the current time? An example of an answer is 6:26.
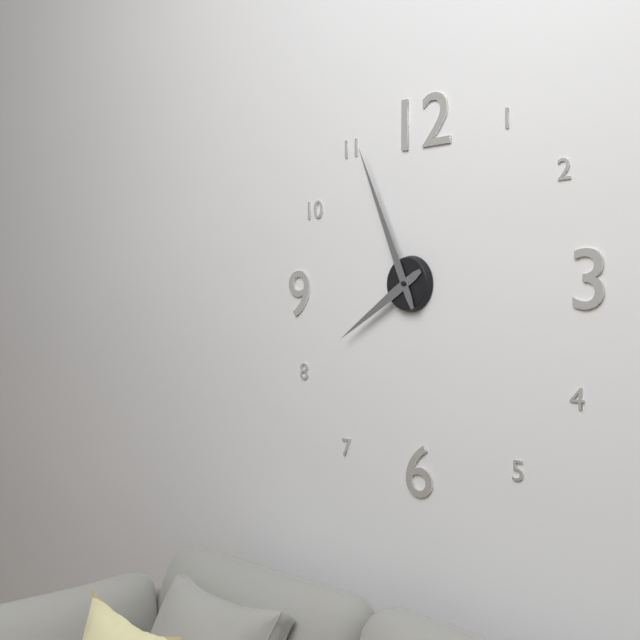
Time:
7:56
